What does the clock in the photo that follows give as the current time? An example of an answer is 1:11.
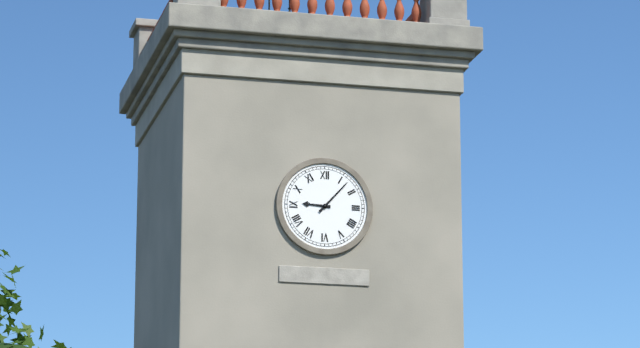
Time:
9:07
